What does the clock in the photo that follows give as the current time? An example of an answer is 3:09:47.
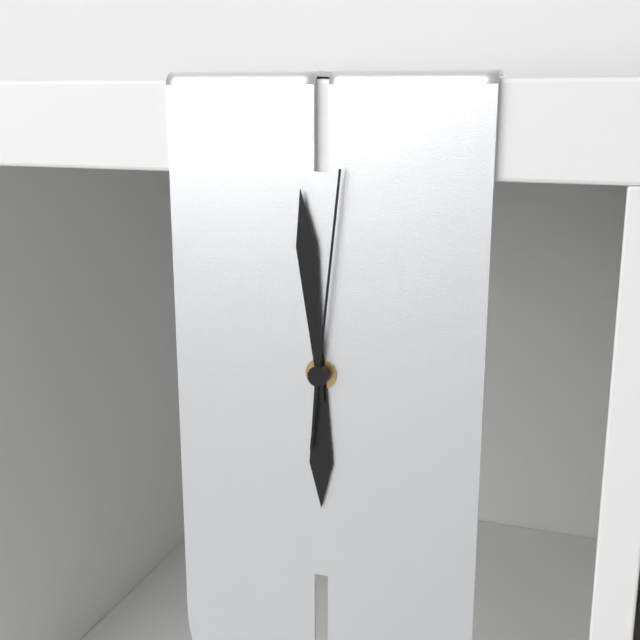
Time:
5:59:01
